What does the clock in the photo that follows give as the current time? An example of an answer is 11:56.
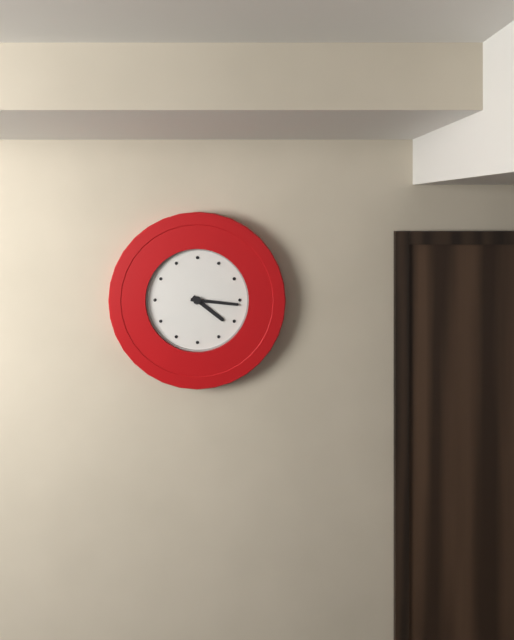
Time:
4:16
